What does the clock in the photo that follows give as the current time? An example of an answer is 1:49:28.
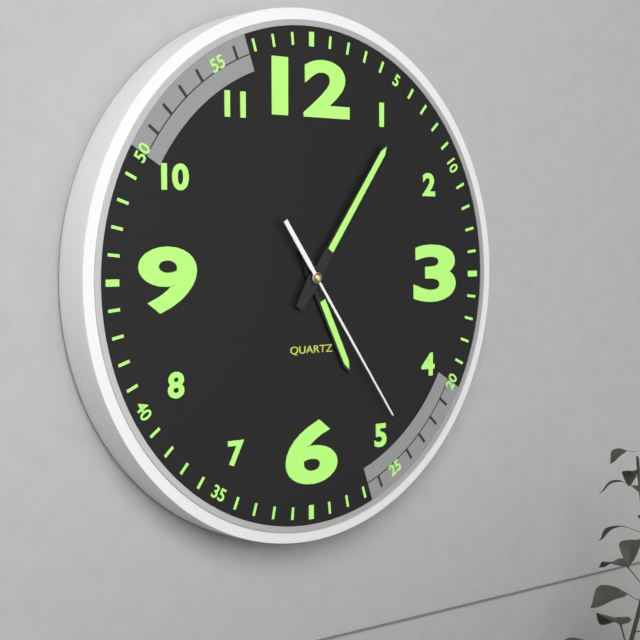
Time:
5:06:24
